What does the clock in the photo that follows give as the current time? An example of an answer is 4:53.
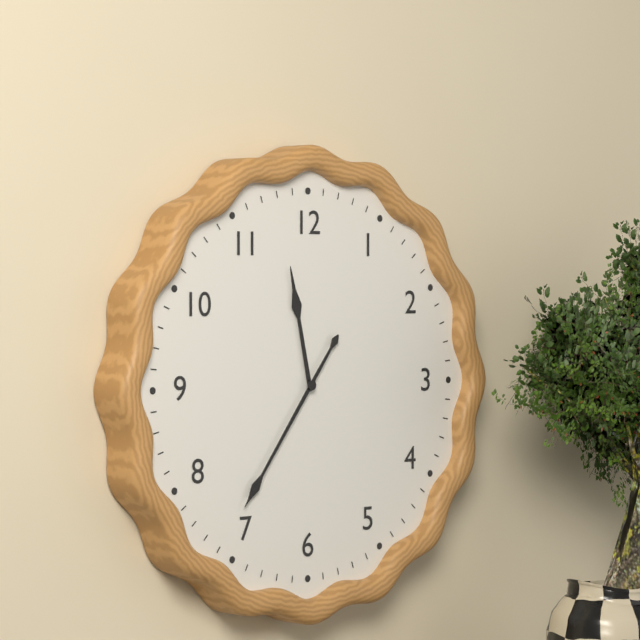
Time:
11:36
